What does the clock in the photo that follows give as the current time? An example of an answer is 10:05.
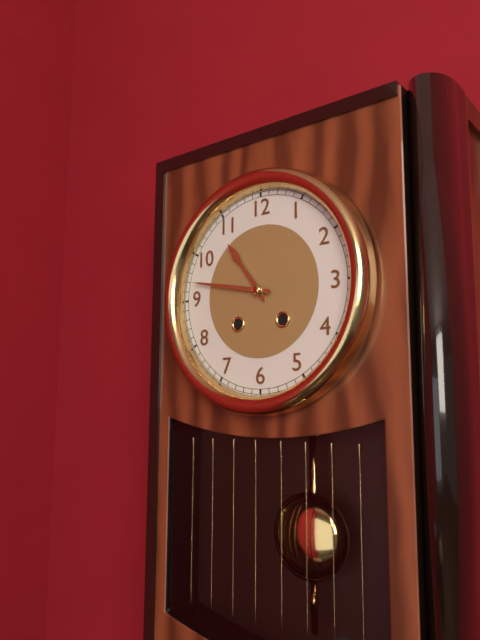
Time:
10:47
